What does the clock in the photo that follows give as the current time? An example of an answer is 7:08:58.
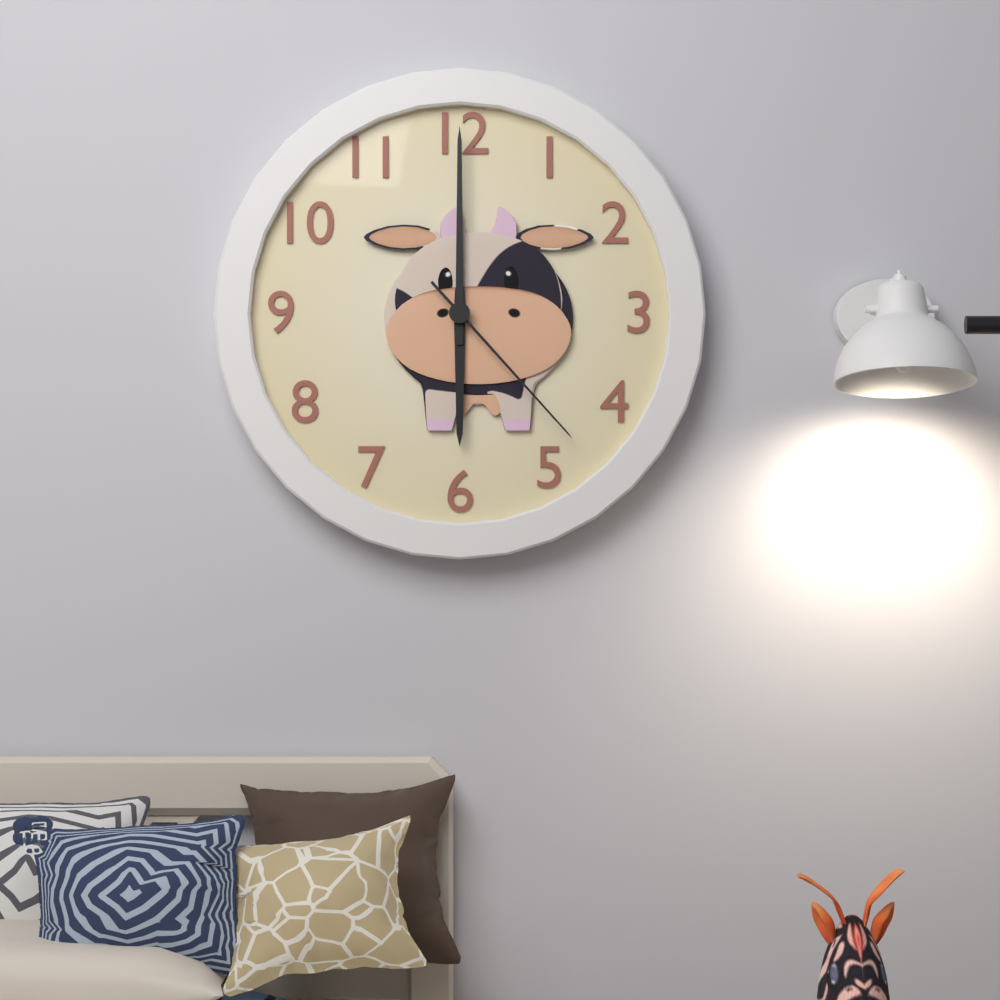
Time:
6:00:23
